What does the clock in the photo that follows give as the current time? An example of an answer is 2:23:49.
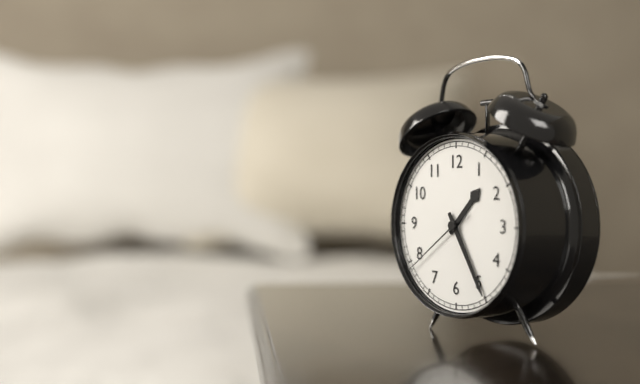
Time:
1:25:39
